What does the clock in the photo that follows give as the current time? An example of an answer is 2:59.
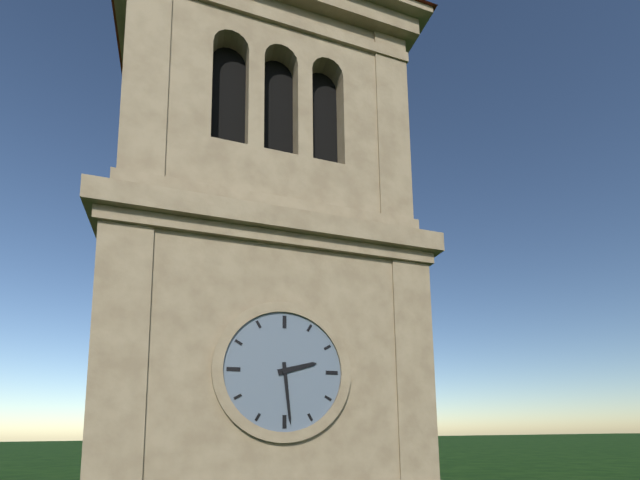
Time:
2:29
